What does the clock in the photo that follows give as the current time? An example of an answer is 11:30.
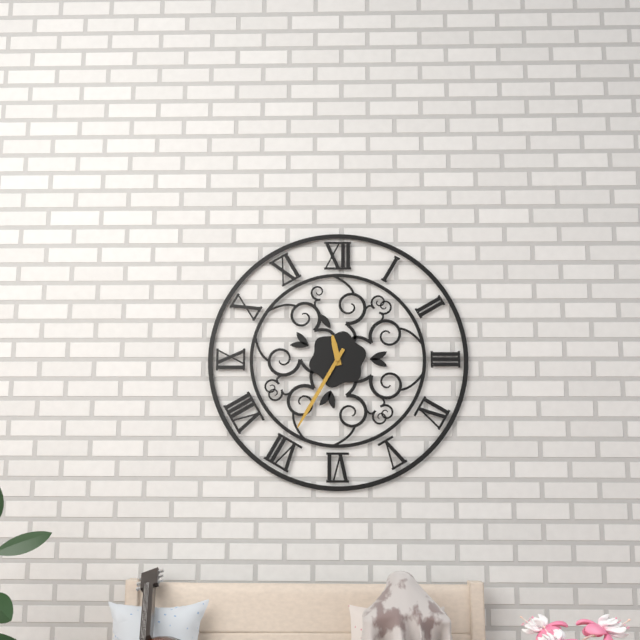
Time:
11:35
